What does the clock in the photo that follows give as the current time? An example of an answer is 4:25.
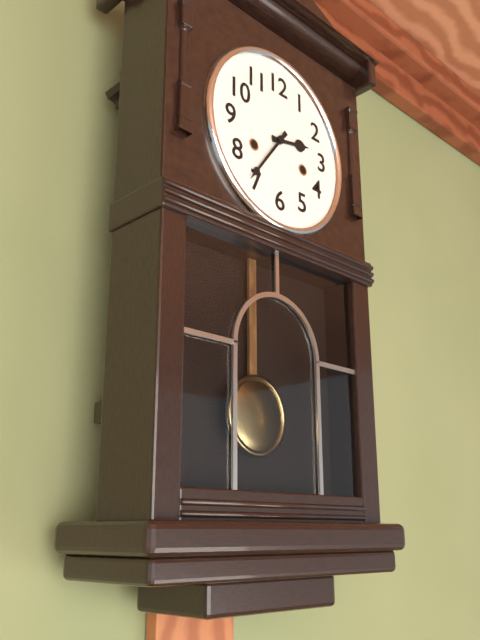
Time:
2:36
